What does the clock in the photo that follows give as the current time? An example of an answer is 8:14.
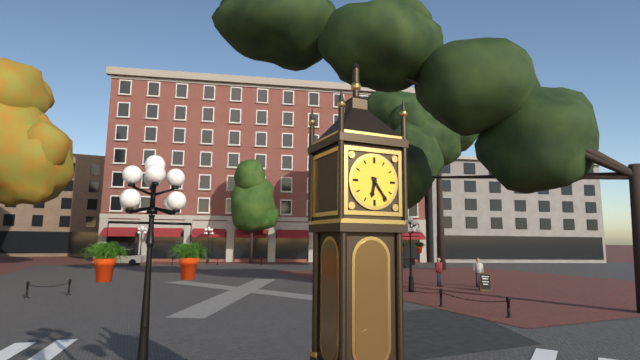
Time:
6:24
